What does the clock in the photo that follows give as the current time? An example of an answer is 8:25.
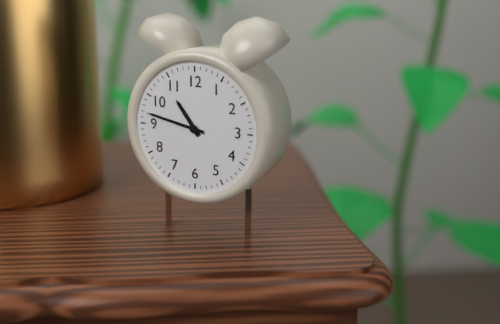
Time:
10:47
